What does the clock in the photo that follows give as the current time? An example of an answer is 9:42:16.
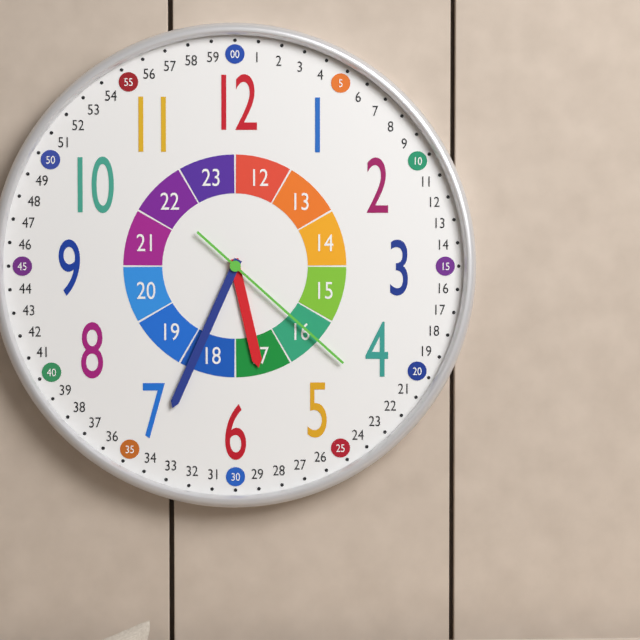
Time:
5:34:22
